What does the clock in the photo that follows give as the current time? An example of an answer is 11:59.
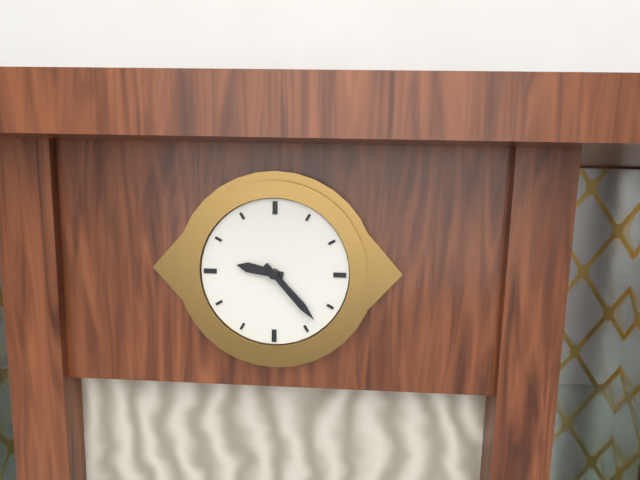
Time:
9:23
